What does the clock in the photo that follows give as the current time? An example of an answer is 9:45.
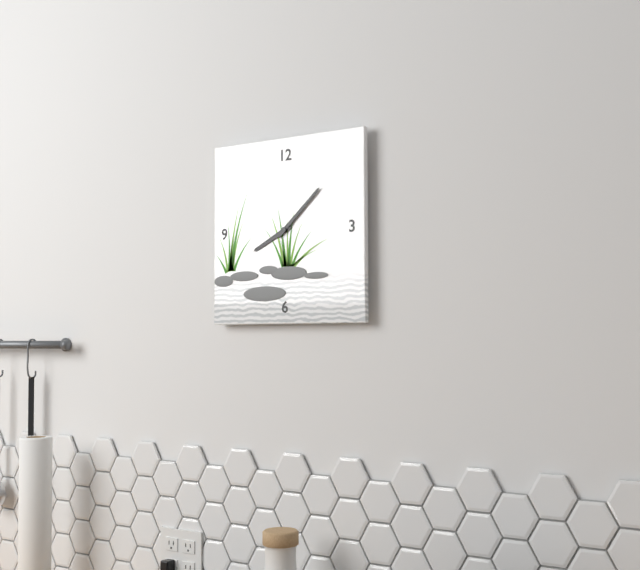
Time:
8:08
